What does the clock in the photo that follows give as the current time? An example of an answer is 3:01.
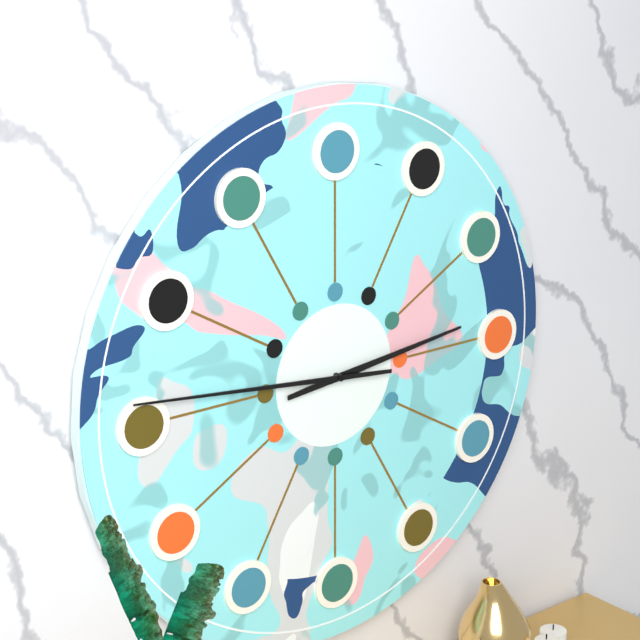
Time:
2:46
